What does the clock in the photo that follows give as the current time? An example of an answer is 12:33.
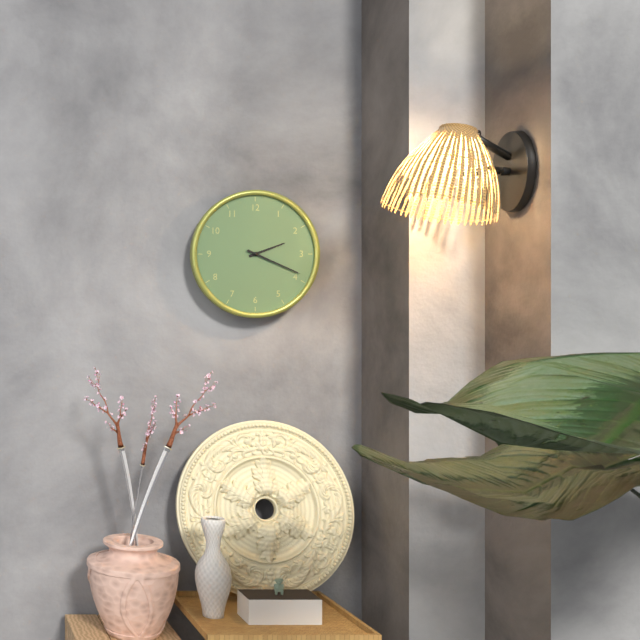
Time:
2:19
